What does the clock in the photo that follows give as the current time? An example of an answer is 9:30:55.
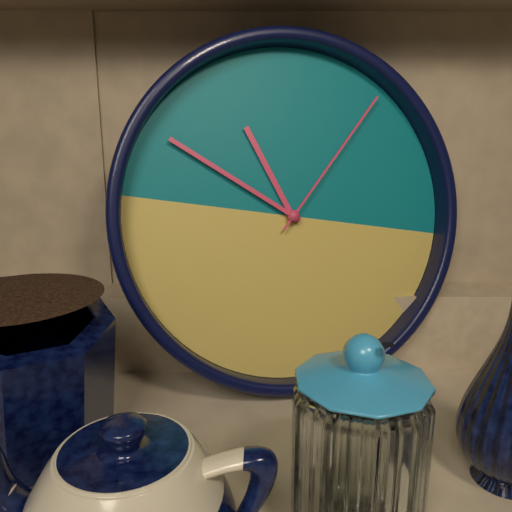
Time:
10:49:05
